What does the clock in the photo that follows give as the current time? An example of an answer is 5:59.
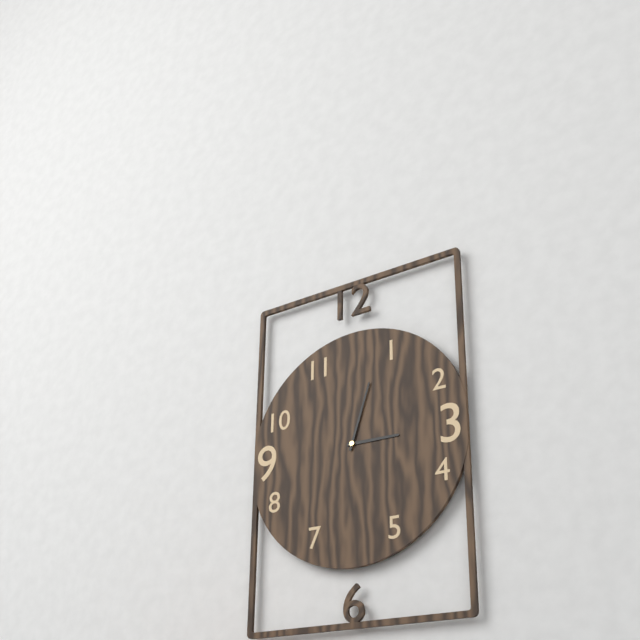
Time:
3:03
